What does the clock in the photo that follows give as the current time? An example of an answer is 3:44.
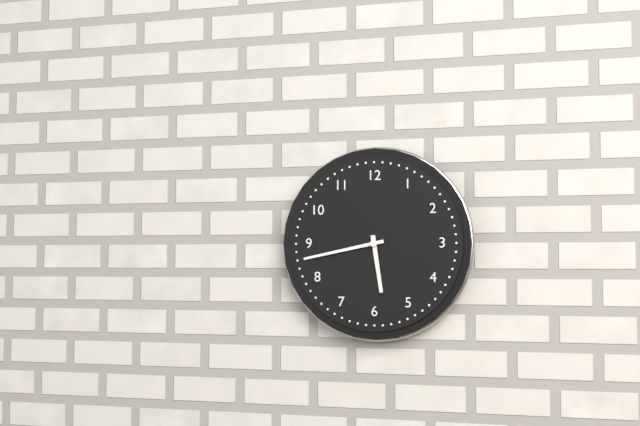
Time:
5:43
